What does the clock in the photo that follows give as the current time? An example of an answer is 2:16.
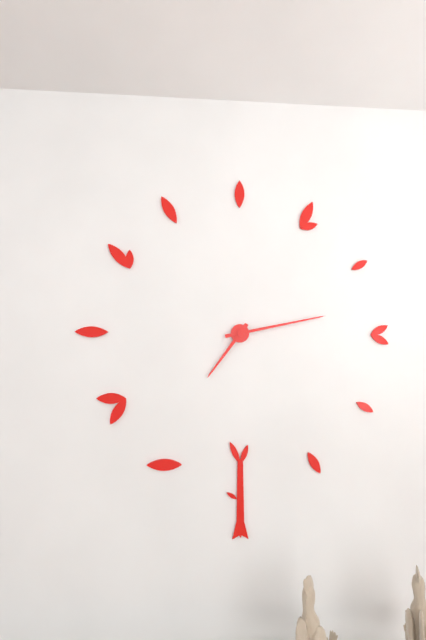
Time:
7:13
